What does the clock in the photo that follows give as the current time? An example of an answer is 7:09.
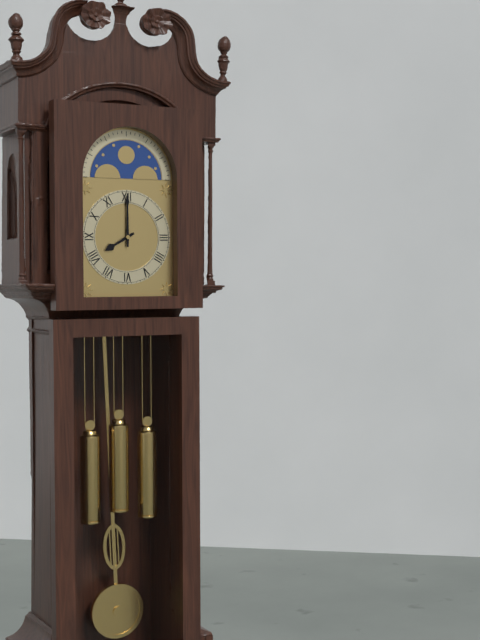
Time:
8:00
